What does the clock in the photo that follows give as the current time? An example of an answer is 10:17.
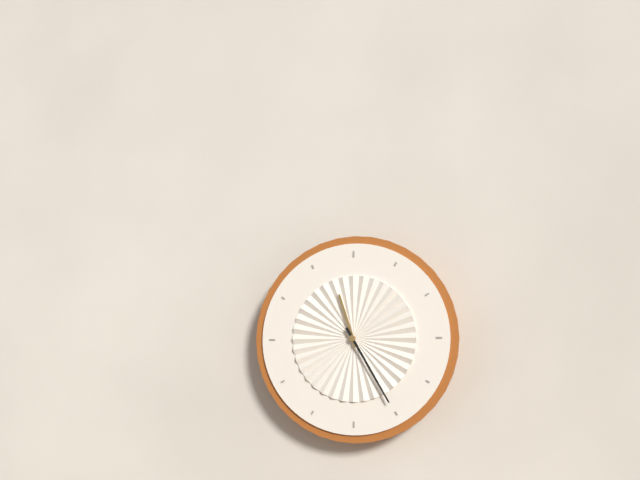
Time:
11:25
